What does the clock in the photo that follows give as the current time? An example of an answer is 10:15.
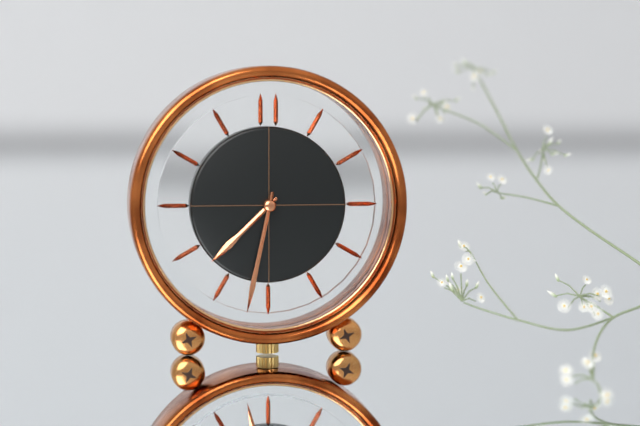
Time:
7:32
